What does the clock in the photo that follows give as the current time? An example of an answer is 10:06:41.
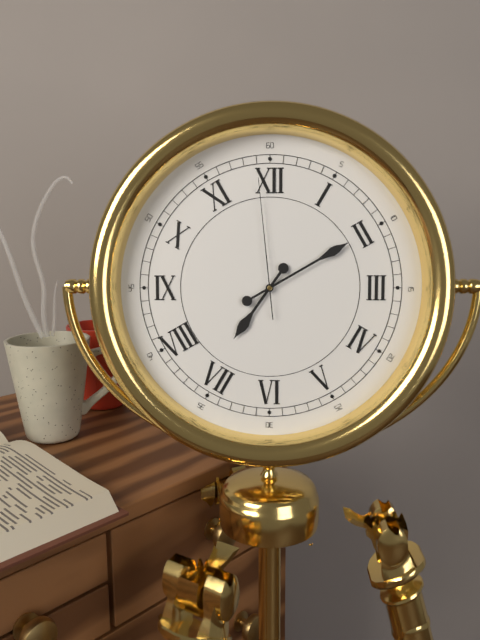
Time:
7:10:59
